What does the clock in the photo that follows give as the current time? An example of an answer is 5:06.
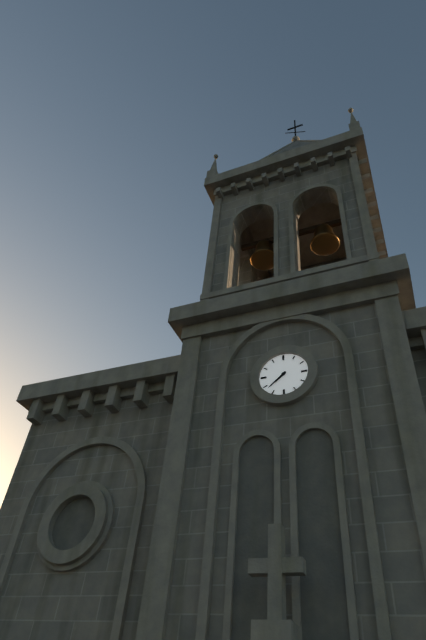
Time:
7:38
